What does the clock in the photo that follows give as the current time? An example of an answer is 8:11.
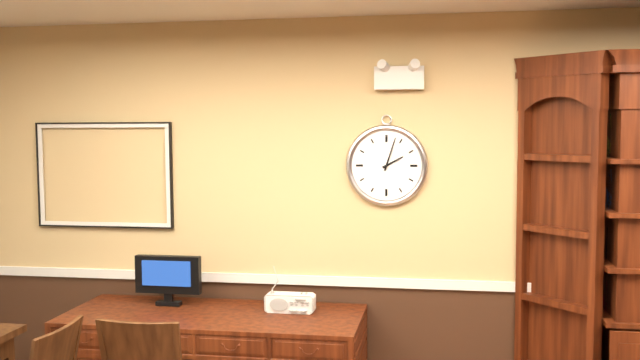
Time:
2:03
